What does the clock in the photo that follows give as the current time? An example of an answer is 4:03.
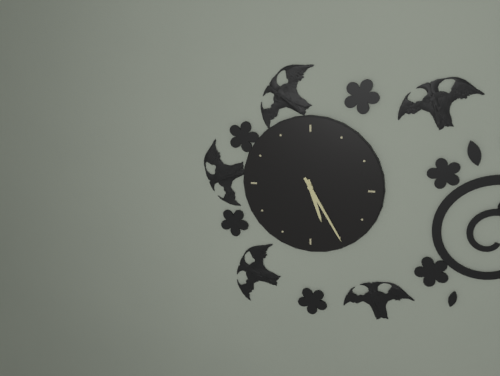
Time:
5:25
